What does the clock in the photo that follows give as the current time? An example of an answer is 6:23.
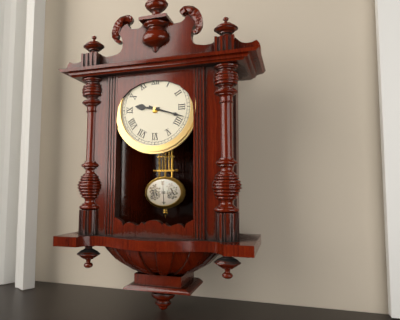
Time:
9:18
